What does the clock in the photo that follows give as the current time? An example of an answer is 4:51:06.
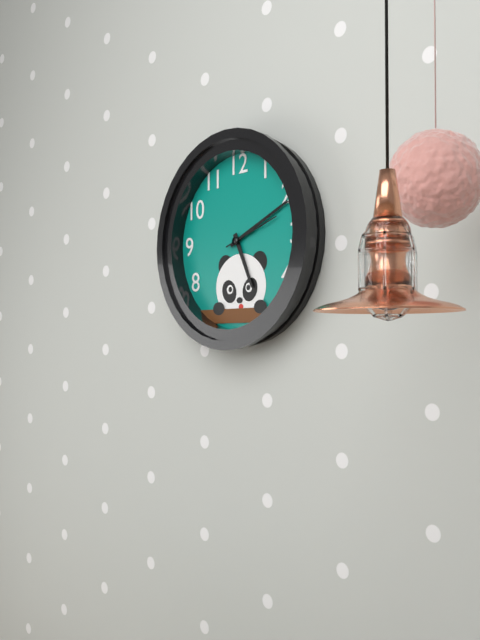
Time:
5:11:12
